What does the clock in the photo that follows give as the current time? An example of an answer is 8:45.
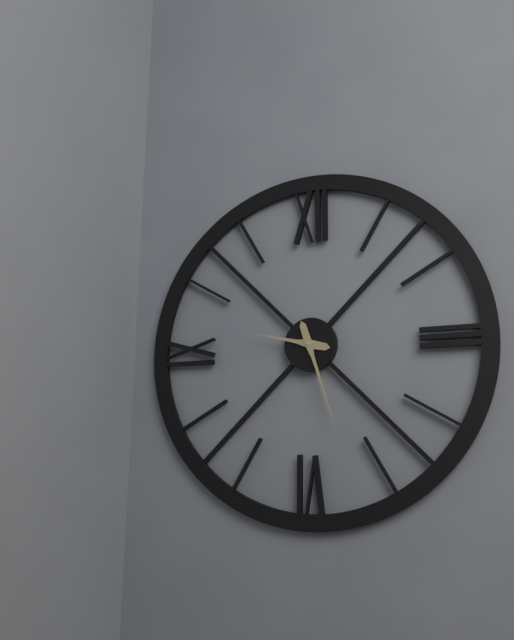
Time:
9:27
